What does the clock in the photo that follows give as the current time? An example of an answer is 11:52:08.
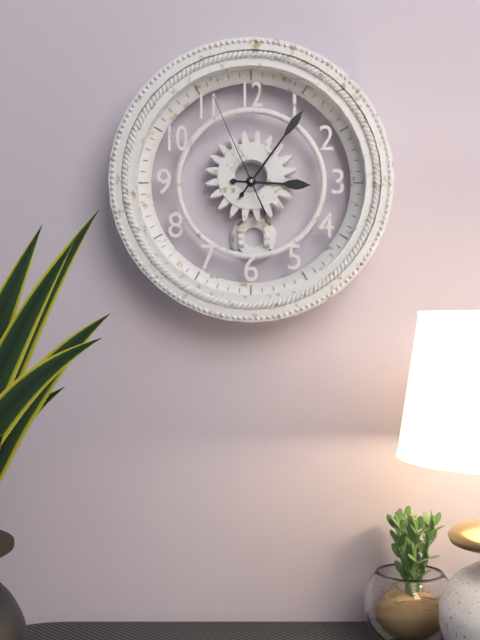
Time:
3:06:56
